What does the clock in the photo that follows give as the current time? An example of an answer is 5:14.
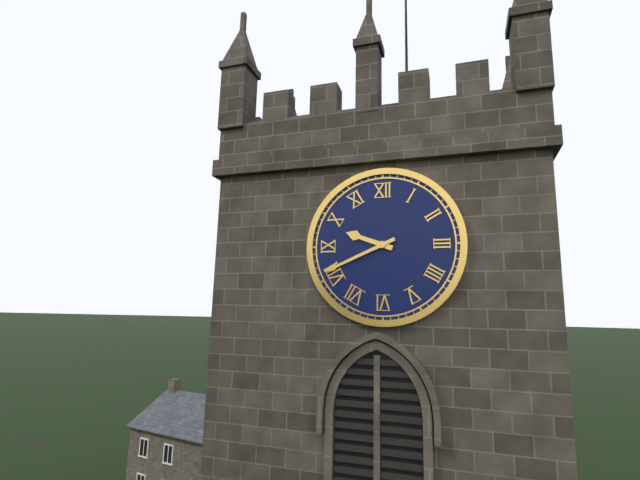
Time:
9:41
